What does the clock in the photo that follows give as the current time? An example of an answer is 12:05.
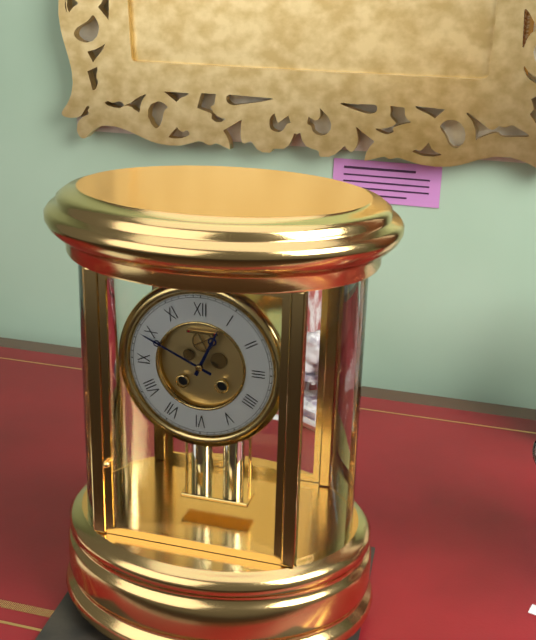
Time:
12:49
